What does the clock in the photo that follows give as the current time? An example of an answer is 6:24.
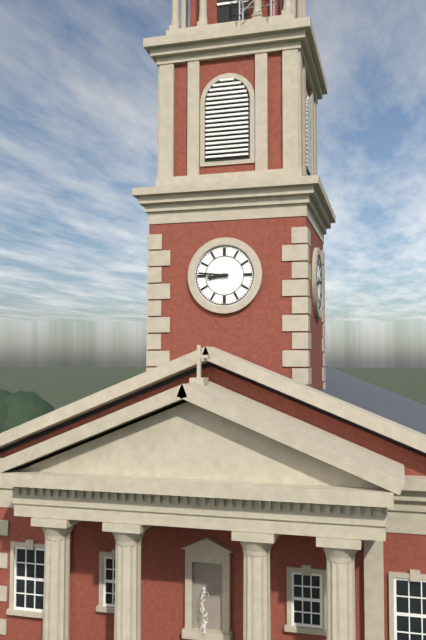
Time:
8:46
